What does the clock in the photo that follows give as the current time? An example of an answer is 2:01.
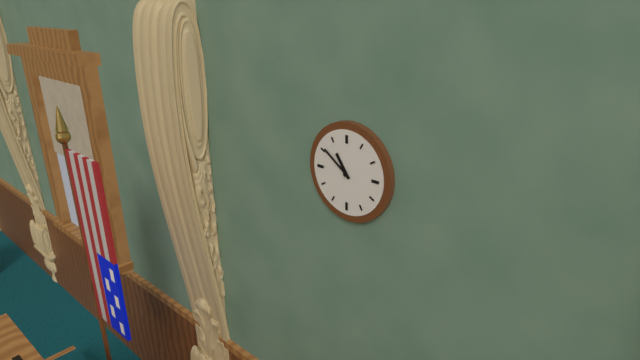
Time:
10:51
